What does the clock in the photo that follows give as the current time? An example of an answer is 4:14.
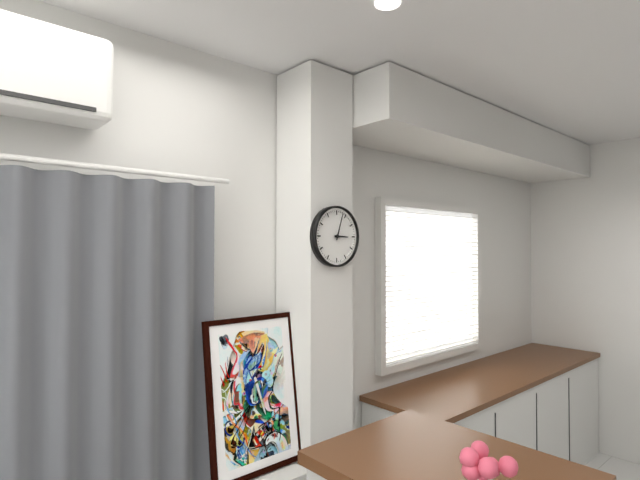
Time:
3:03
